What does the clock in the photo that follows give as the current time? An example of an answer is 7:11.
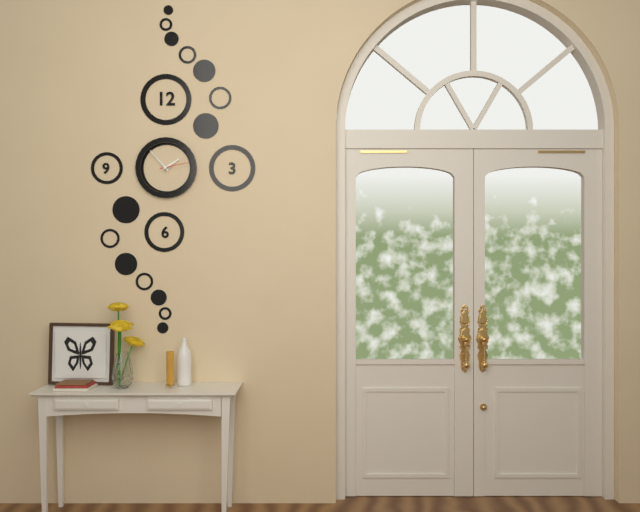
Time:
1:53
